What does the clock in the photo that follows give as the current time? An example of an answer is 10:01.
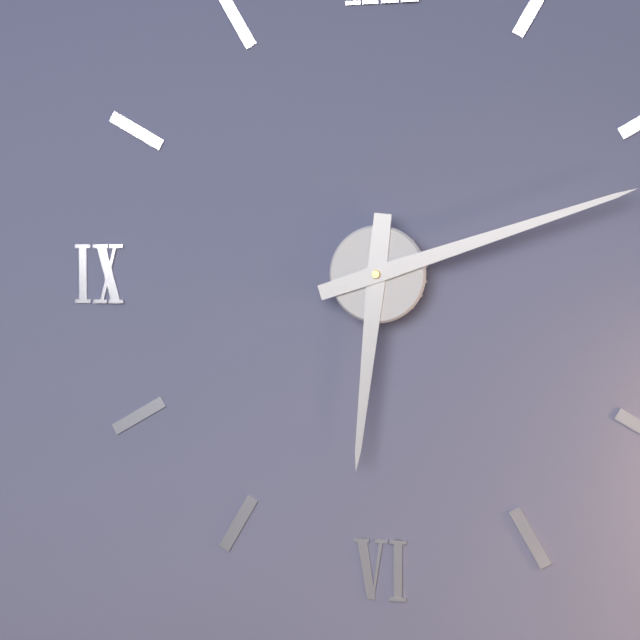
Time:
6:12
